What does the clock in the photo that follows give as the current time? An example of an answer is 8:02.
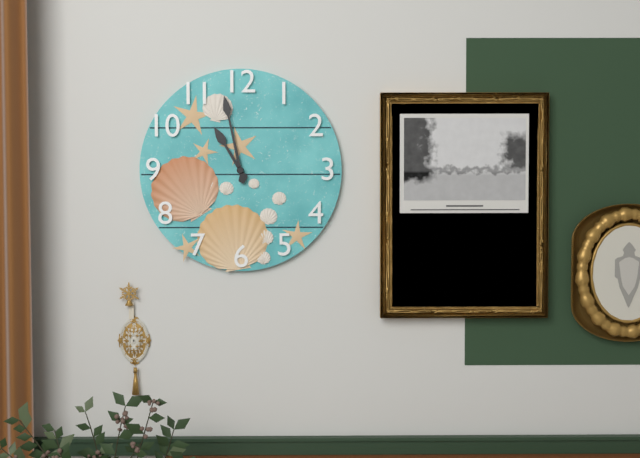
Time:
10:58
